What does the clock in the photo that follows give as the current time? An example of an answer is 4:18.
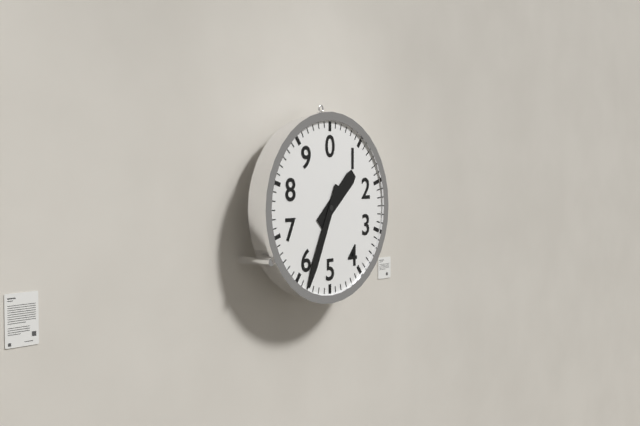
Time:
1:34
